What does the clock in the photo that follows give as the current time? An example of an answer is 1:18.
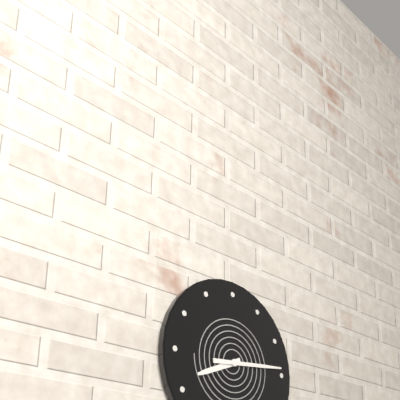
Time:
8:14
